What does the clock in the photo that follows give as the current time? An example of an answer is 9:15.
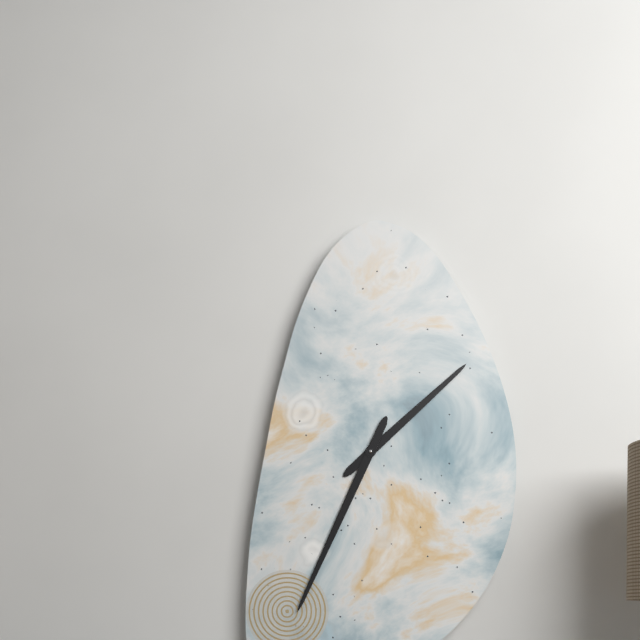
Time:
1:34
